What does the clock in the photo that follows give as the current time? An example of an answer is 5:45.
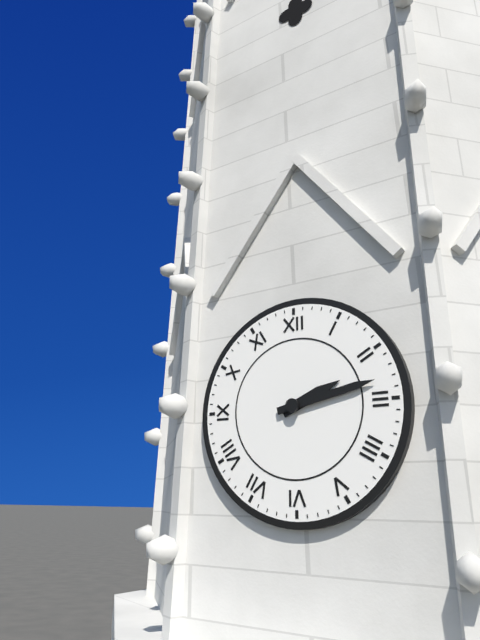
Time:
2:13
